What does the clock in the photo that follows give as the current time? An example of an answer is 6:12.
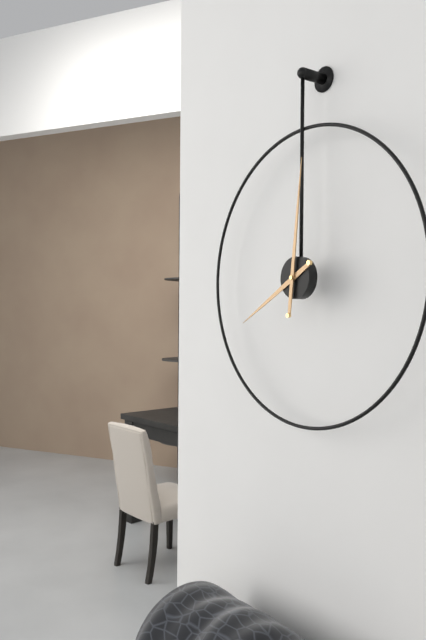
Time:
8:01
